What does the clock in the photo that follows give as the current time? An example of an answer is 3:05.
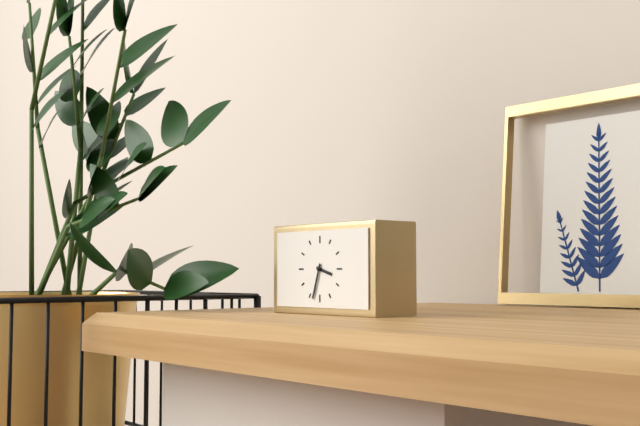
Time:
3:33
